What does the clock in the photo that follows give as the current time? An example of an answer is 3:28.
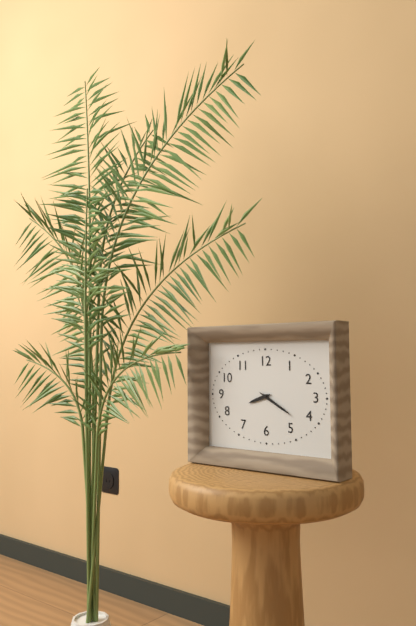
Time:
8:20
